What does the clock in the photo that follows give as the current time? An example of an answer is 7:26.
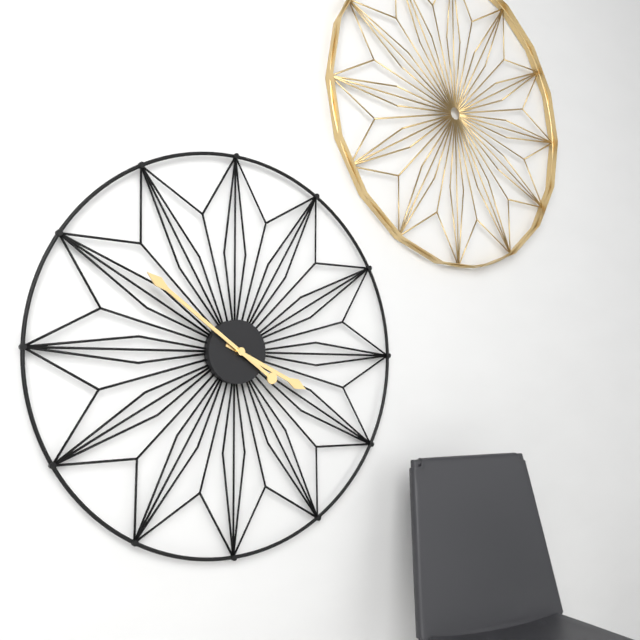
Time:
3:51
